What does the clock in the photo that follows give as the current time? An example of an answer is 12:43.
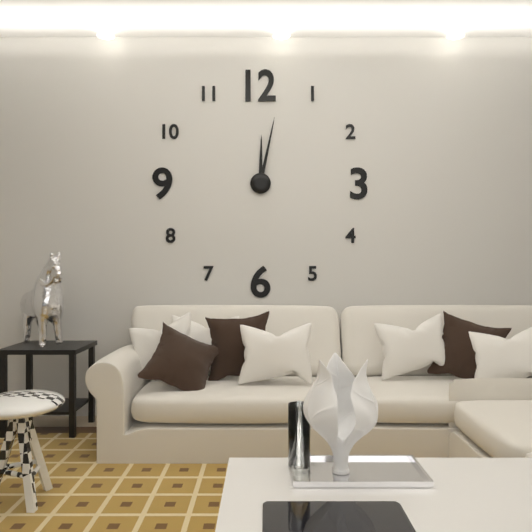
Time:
12:02
